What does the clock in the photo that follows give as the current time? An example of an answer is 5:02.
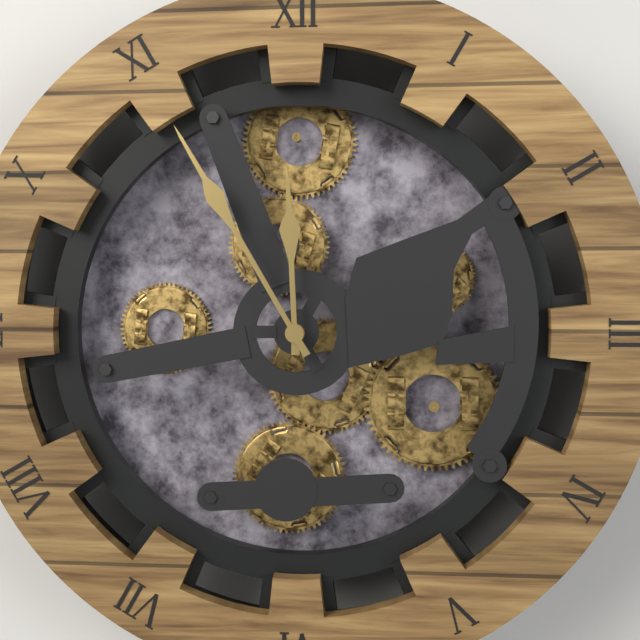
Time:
11:55
